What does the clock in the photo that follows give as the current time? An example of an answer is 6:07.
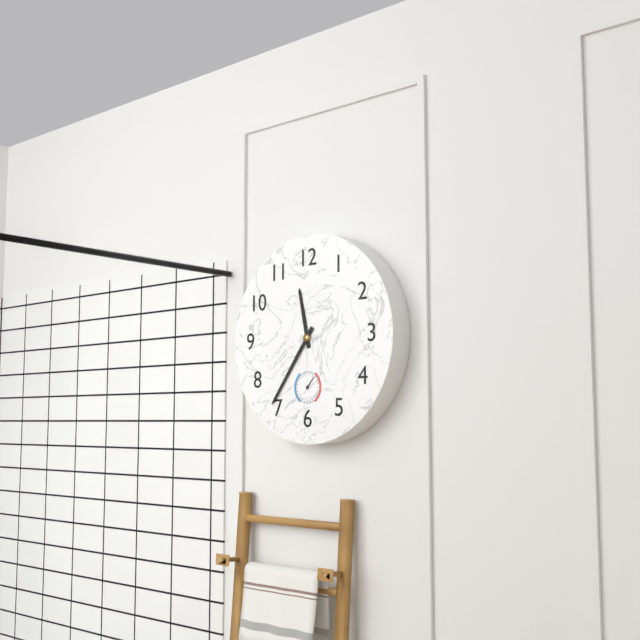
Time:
11:36
